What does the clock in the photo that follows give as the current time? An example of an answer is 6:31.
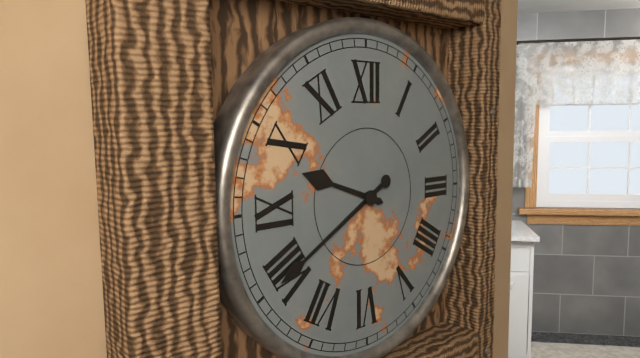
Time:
9:40
